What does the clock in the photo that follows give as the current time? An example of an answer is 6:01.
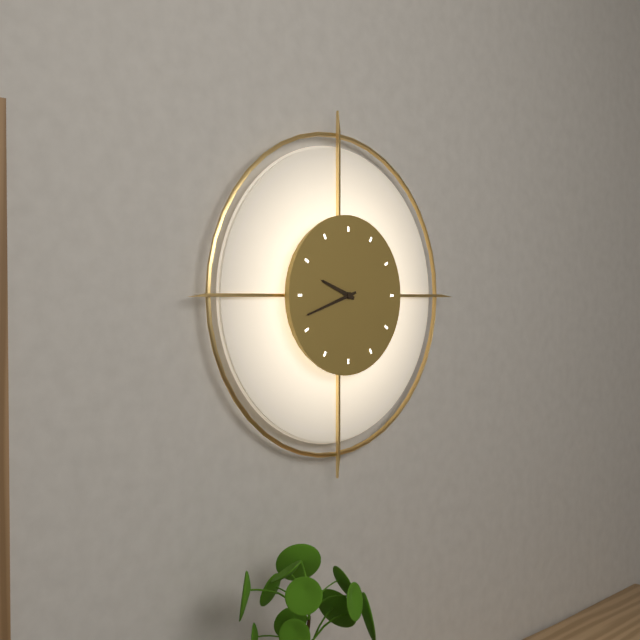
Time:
9:42
